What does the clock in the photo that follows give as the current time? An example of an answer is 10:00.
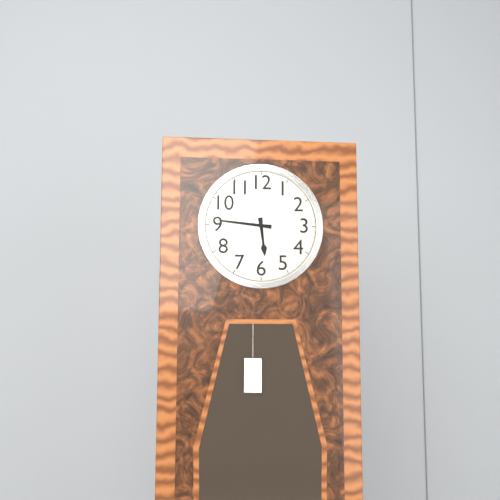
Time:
5:46
